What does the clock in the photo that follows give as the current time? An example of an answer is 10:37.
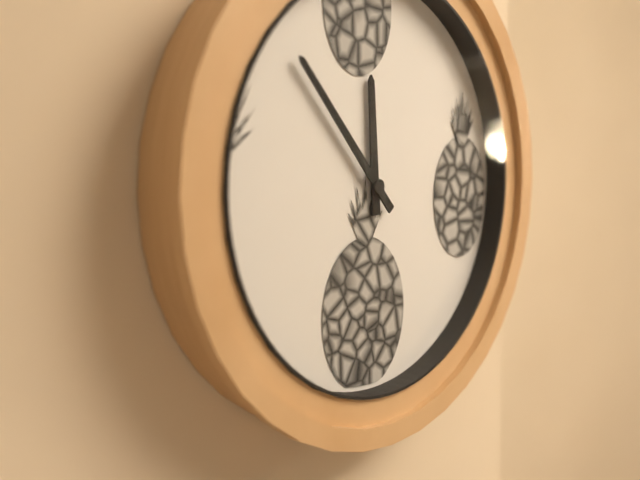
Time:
11:53
